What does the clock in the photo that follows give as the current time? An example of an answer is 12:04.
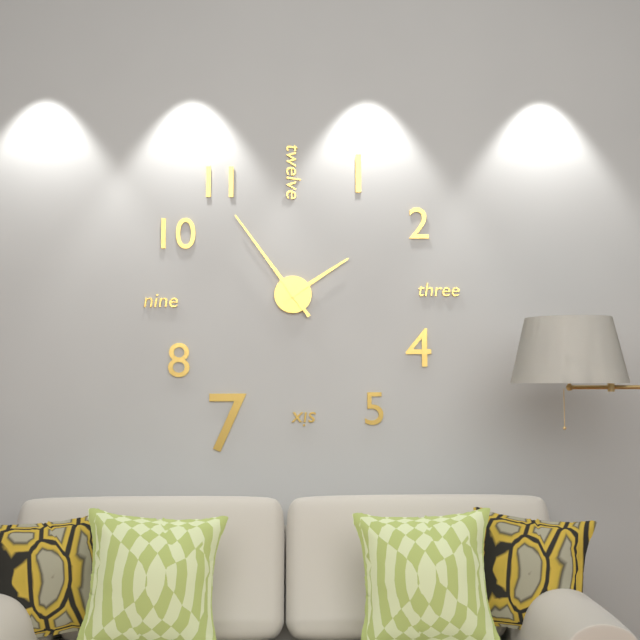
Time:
1:54
